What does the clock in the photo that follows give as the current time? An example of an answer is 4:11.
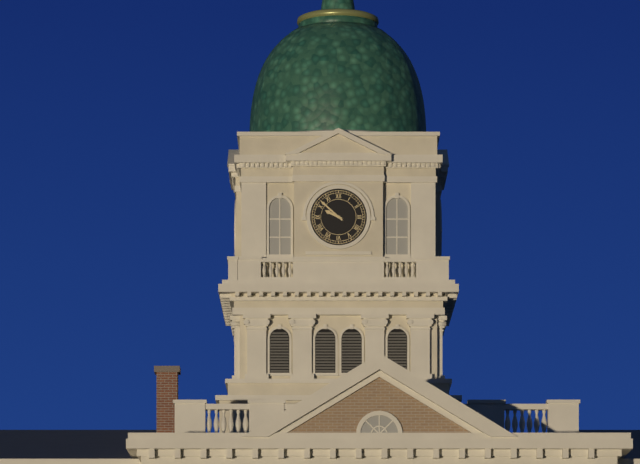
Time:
9:52
